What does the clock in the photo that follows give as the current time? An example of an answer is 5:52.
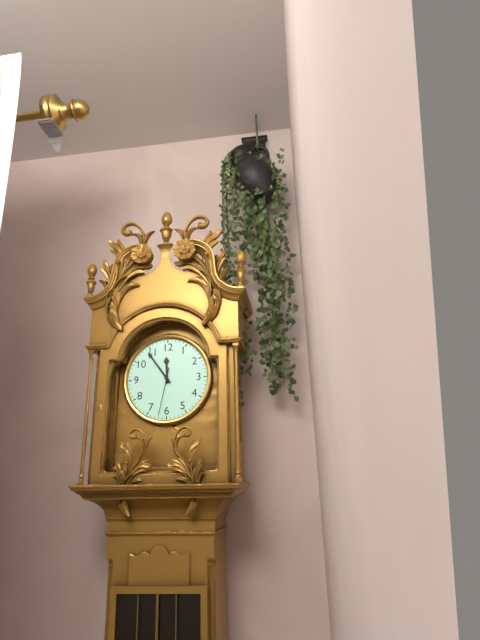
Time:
11:54
